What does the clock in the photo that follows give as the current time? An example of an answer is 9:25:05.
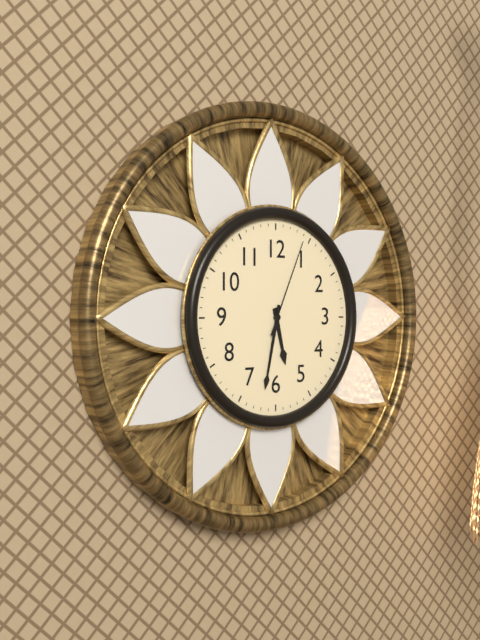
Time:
5:32:04
